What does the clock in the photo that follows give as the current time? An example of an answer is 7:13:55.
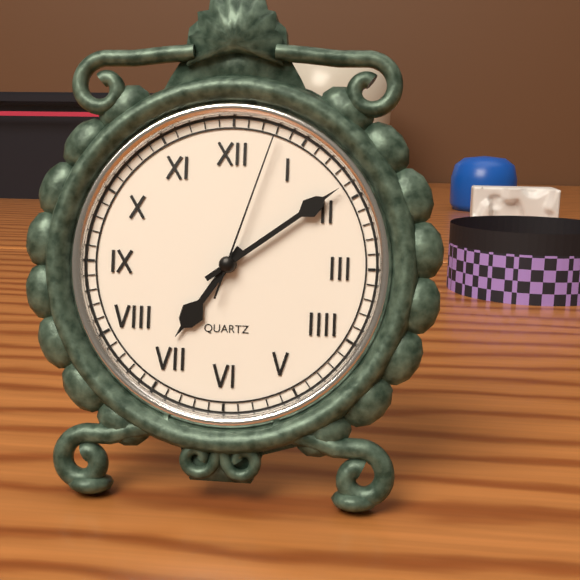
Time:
7:09:03
